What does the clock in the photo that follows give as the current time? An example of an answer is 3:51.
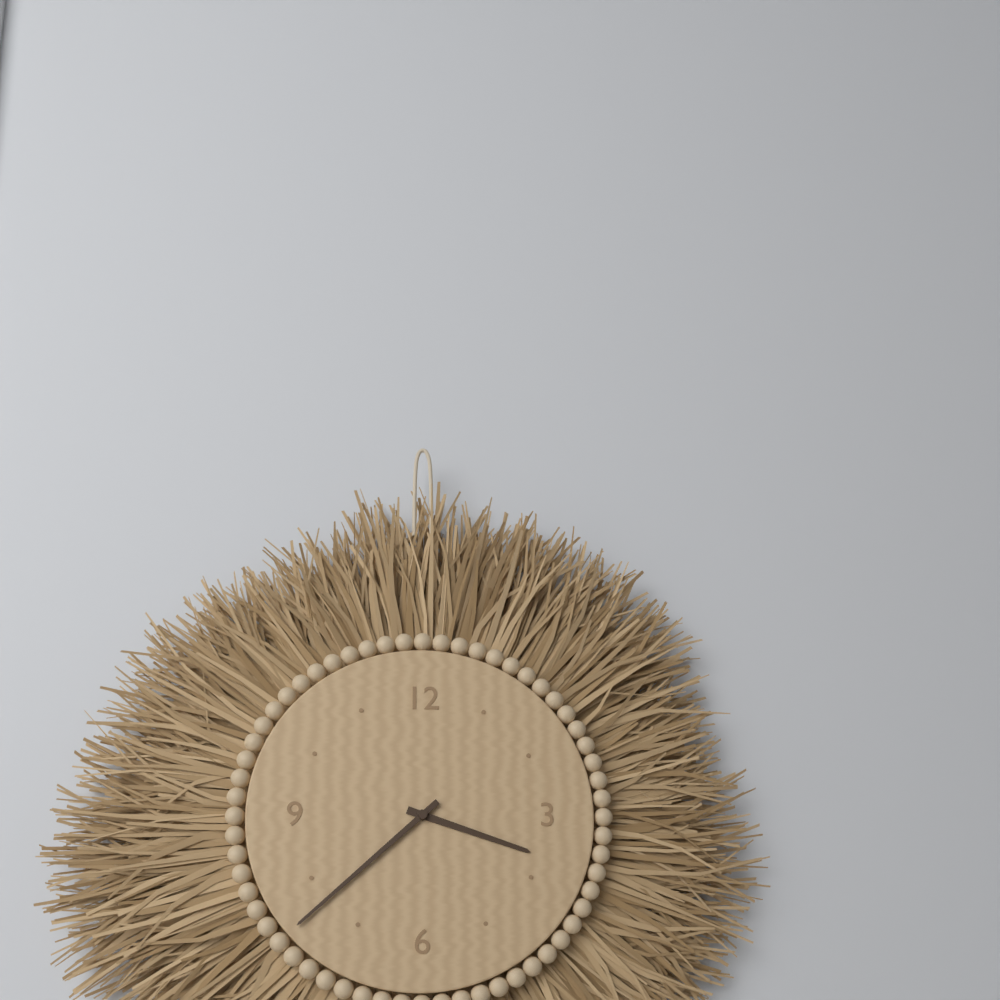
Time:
3:38
